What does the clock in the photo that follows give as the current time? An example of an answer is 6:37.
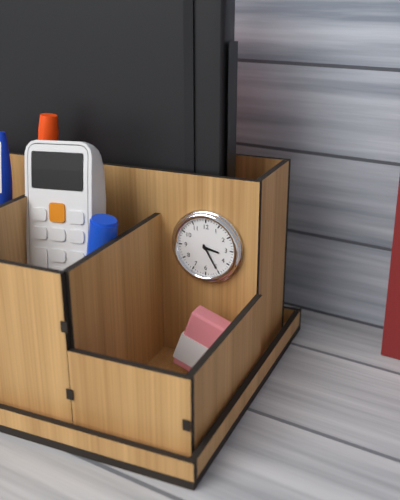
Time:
3:25
